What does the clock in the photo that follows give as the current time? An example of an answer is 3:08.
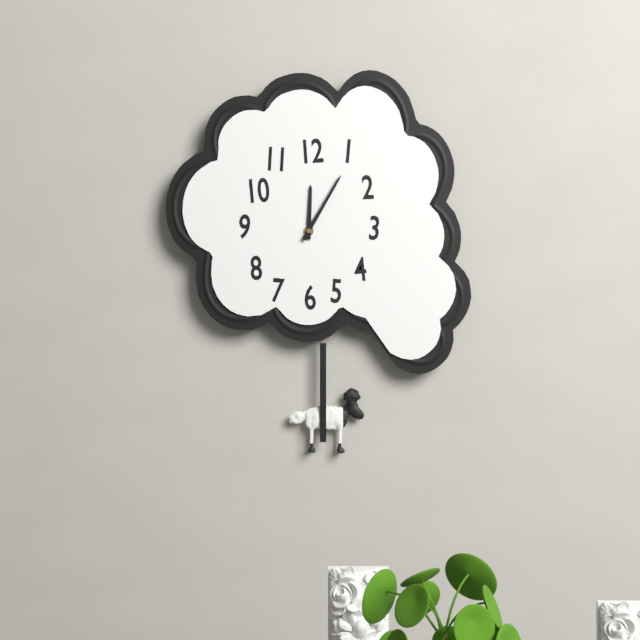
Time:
12:05
